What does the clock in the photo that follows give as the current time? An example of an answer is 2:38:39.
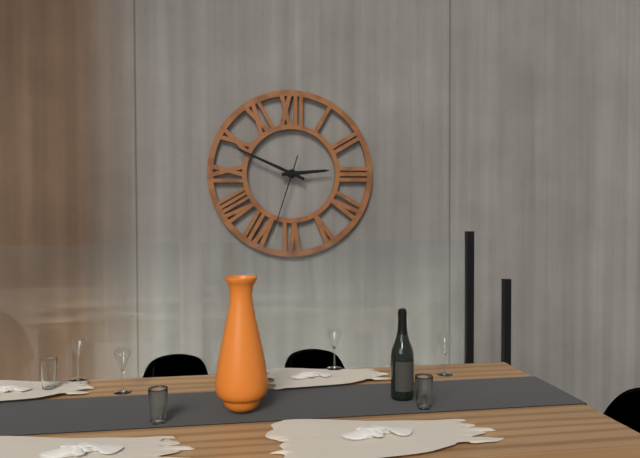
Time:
2:49:33
